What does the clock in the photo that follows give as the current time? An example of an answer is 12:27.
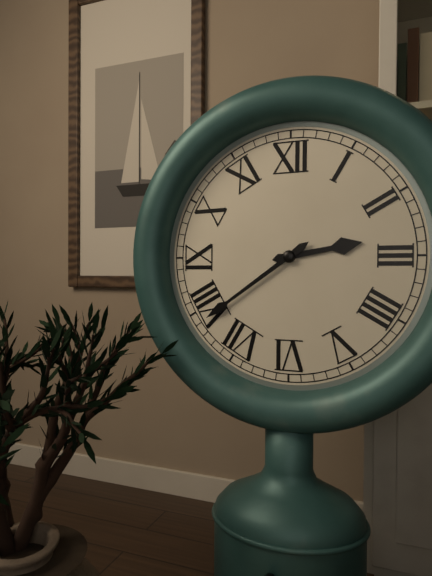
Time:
2:39
